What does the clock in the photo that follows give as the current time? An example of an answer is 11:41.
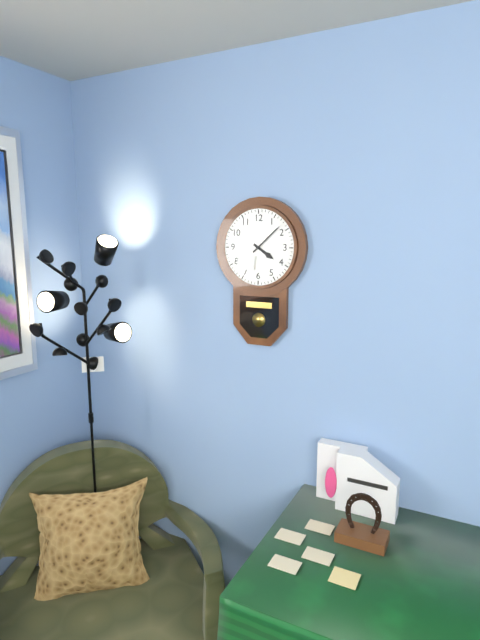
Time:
4:08
